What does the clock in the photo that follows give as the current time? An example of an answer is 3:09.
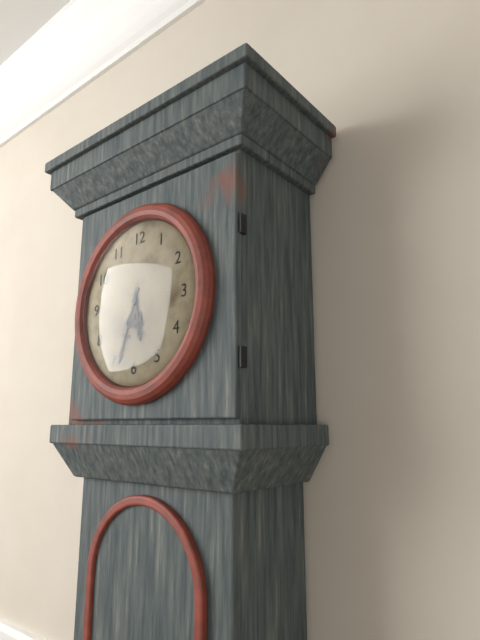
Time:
5:33
